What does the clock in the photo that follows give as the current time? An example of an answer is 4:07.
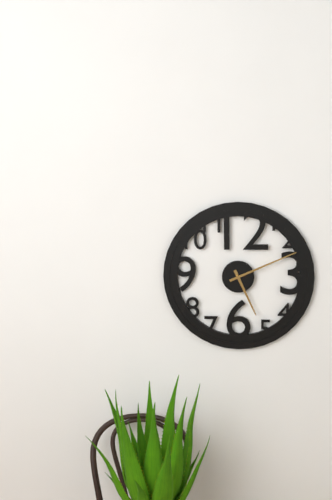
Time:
5:11
